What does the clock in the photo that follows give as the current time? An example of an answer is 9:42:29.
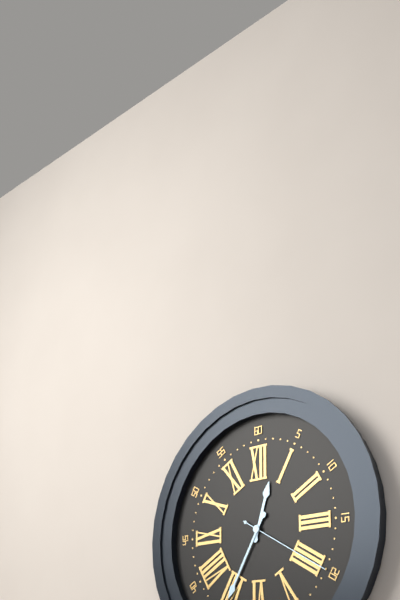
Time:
12:35:20
